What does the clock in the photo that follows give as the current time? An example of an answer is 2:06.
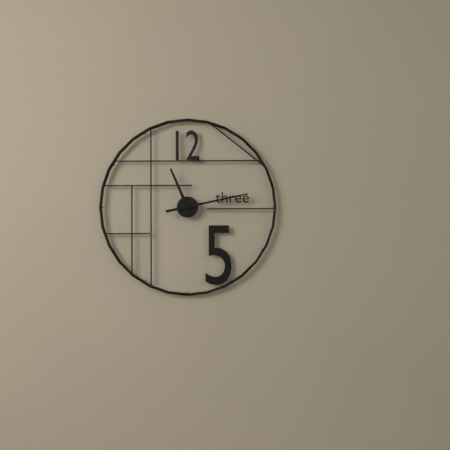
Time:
11:13
